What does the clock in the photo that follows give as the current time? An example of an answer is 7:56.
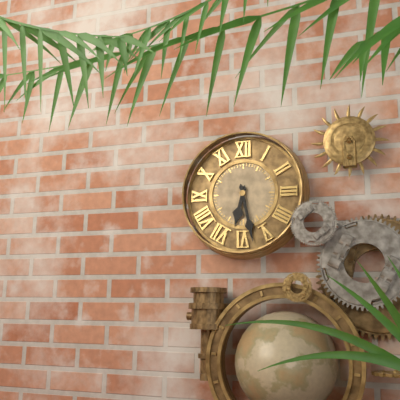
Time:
6:28
